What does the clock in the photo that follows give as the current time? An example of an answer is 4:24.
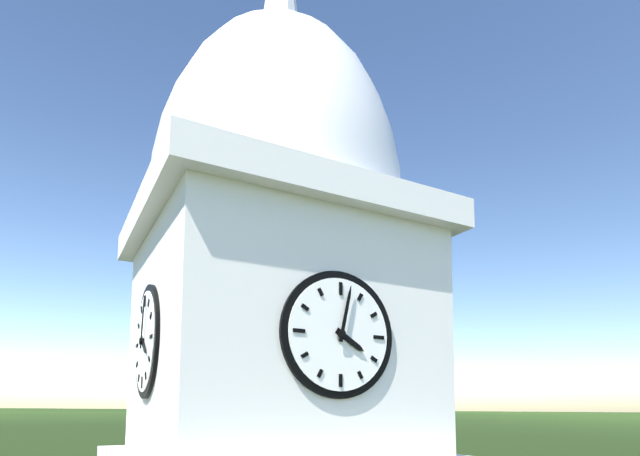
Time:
4:02
